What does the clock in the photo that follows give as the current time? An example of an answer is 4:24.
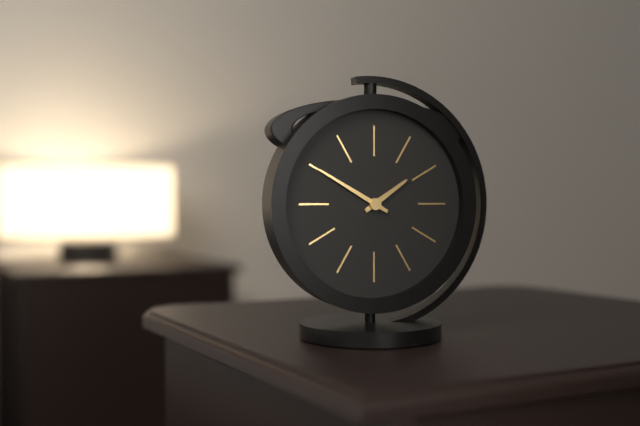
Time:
1:50
